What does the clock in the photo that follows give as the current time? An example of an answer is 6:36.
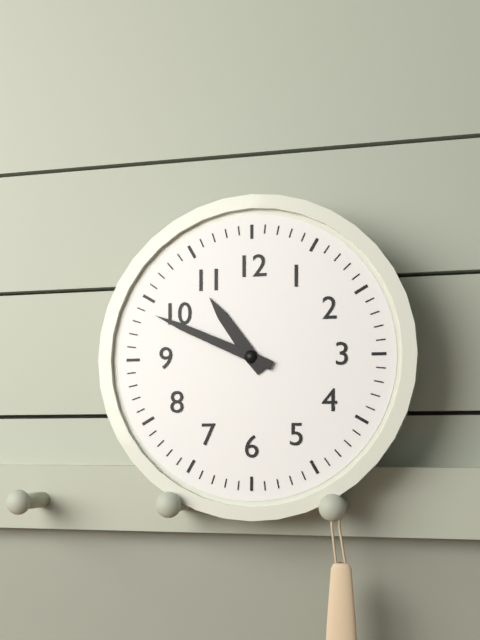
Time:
10:49
